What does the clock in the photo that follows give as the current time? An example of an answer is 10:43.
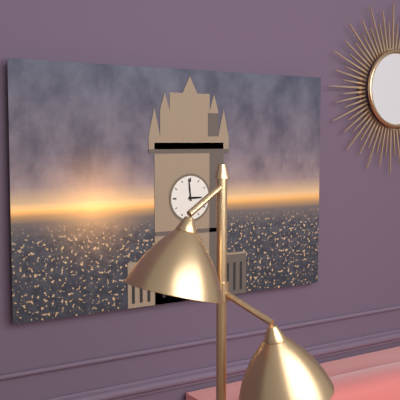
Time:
2:59
